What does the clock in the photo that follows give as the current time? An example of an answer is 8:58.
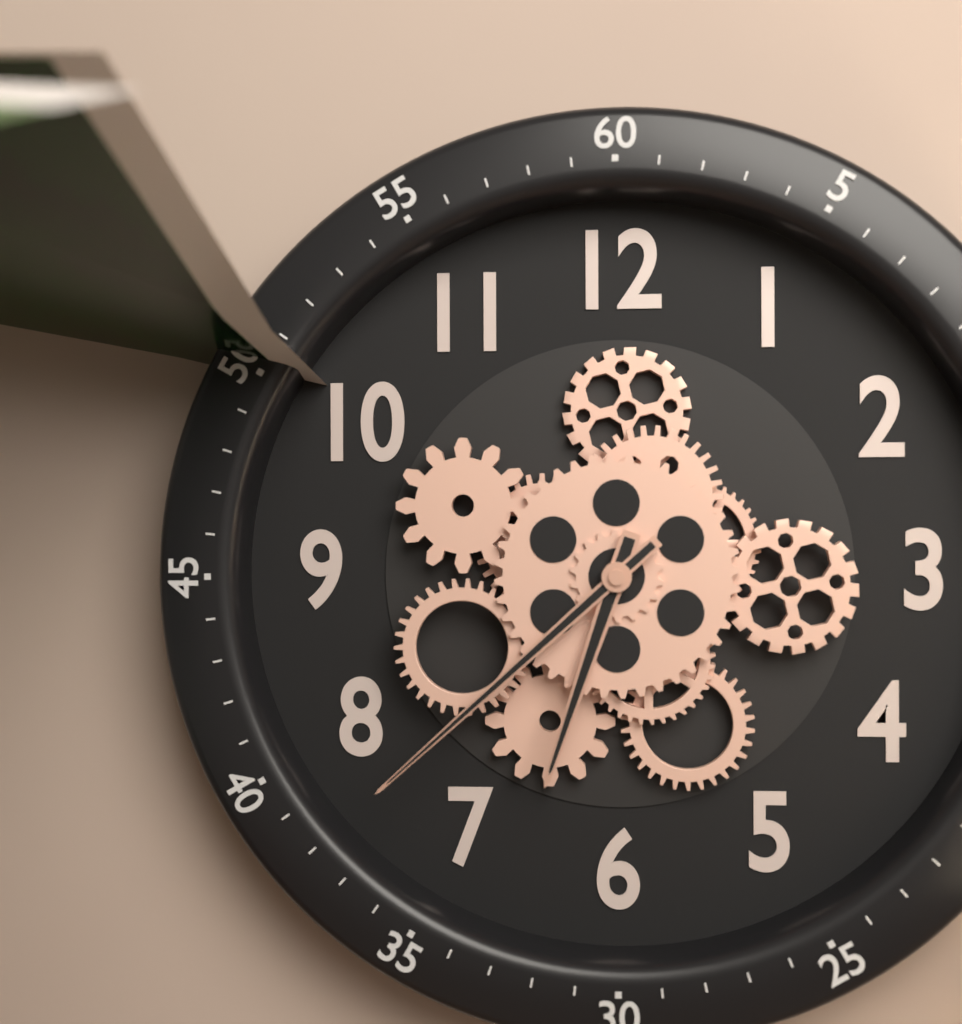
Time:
6:38
